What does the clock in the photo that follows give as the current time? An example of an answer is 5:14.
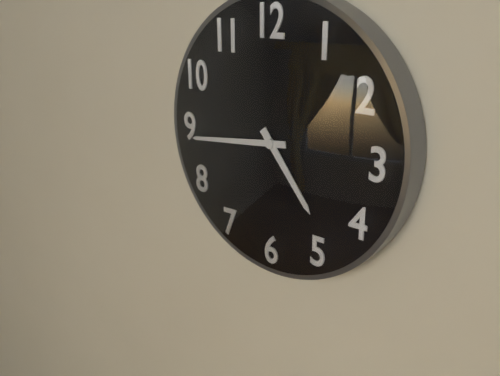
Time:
4:44
